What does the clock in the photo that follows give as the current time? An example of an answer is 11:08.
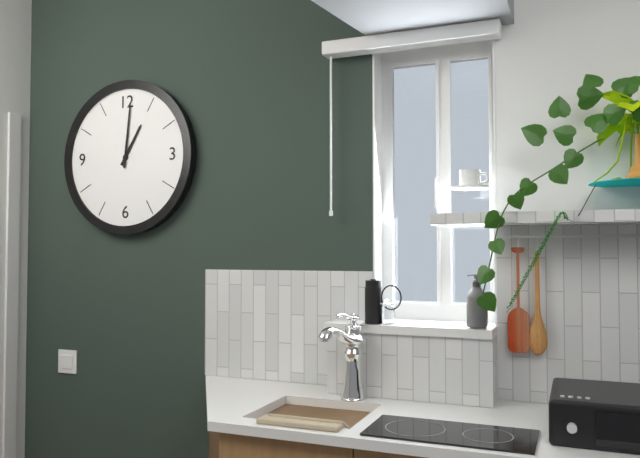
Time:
1:01
